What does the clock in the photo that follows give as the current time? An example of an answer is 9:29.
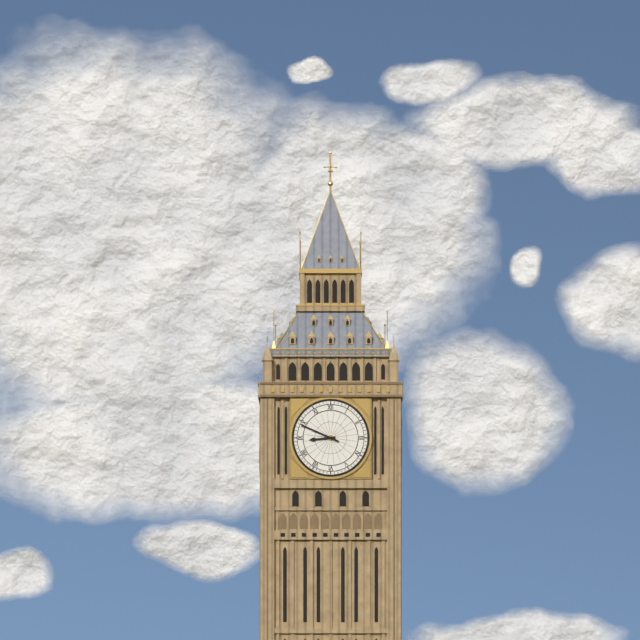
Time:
8:49
